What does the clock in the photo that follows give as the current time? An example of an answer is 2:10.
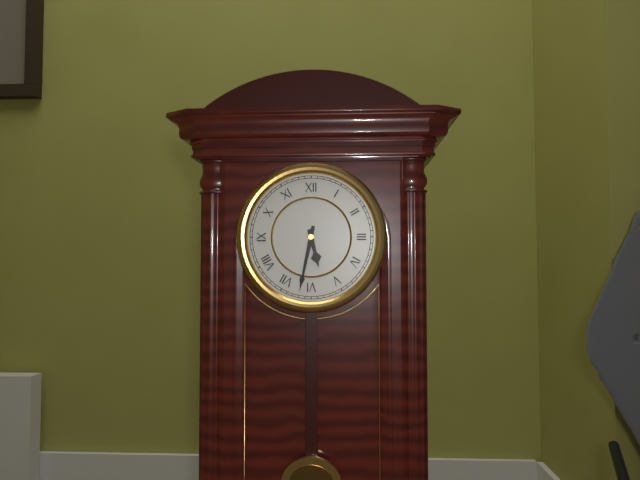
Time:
5:32
